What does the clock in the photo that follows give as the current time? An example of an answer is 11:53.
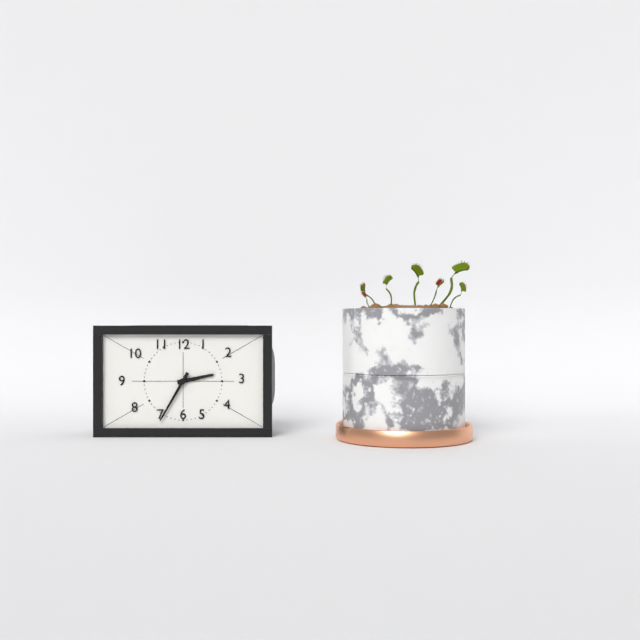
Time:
2:35
